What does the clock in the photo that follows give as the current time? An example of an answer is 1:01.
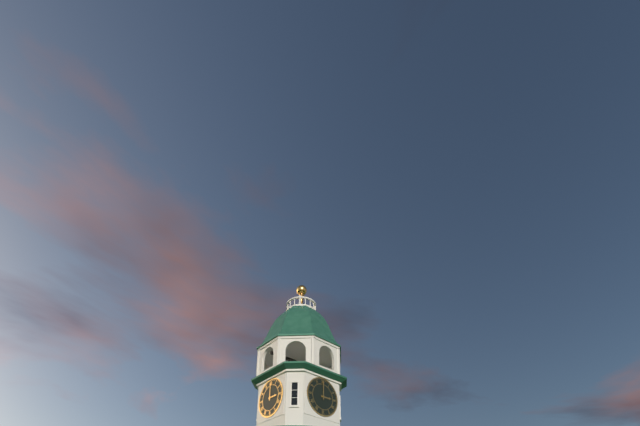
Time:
3:00
